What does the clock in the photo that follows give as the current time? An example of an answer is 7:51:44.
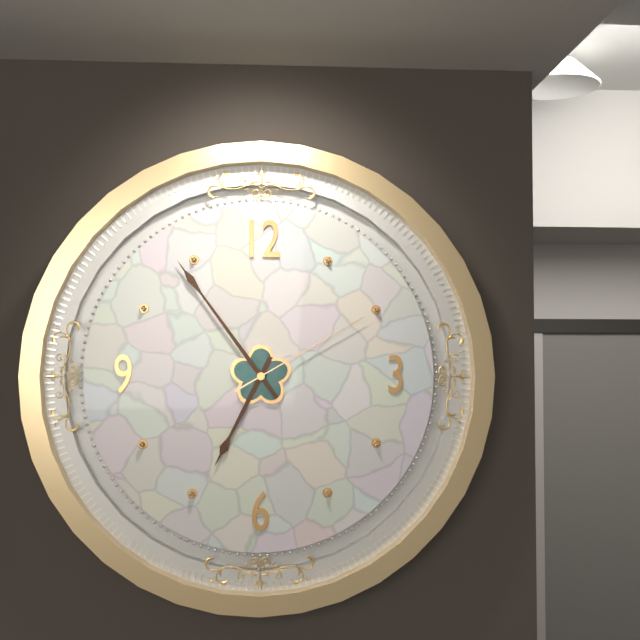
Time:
6:54:10
